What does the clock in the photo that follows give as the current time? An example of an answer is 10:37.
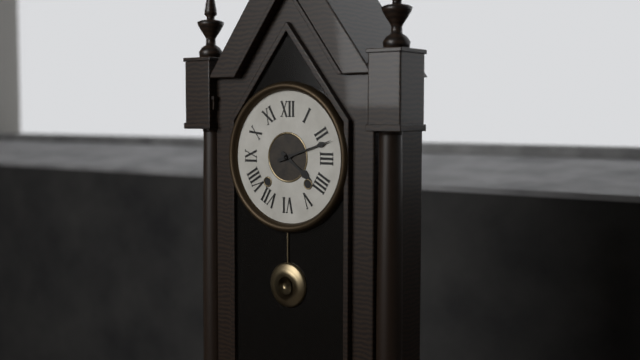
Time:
4:12
